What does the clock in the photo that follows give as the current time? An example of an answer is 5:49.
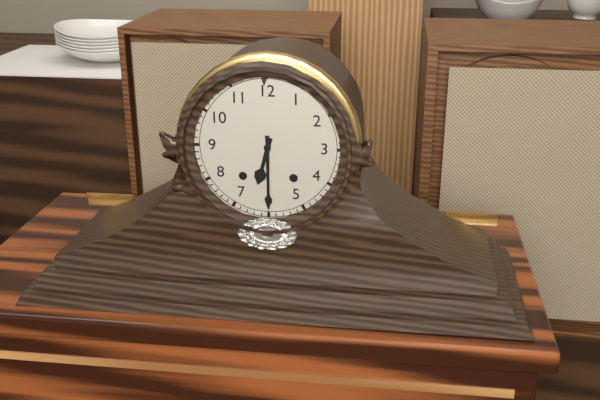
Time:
6:30
